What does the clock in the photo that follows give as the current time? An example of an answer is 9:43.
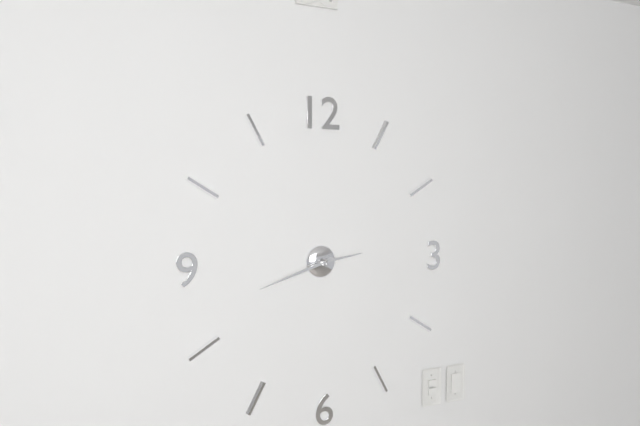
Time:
2:42
